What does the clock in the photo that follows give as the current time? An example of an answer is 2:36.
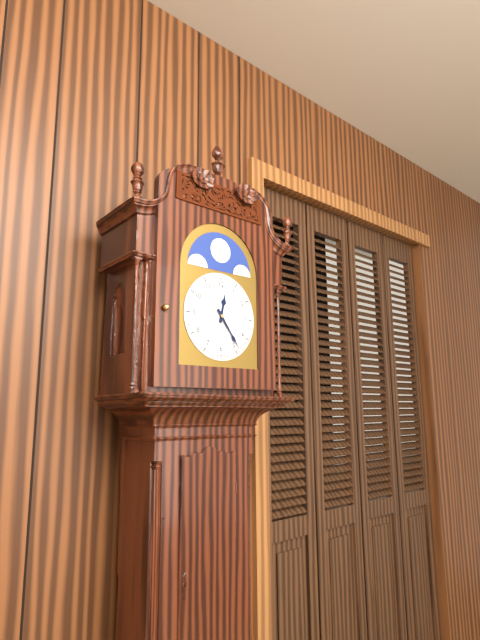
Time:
12:24
